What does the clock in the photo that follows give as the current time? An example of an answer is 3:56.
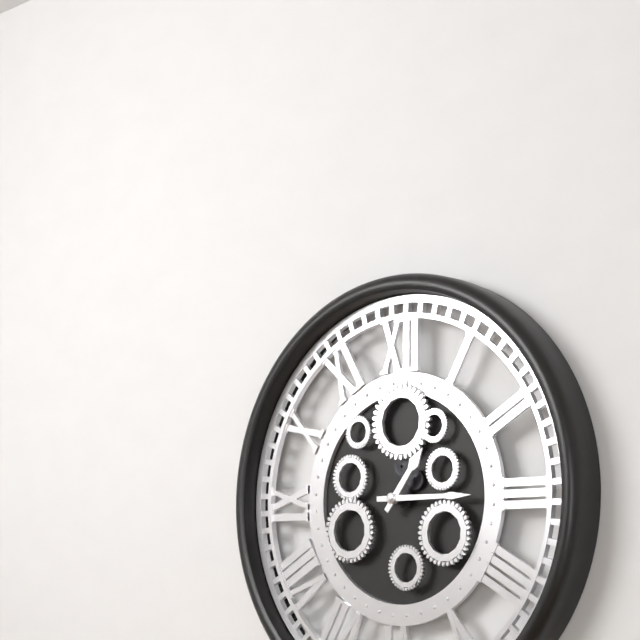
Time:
1:15
